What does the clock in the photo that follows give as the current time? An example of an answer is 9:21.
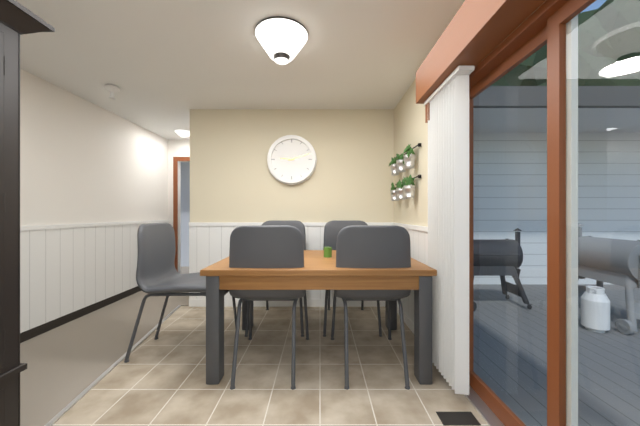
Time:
9:12
